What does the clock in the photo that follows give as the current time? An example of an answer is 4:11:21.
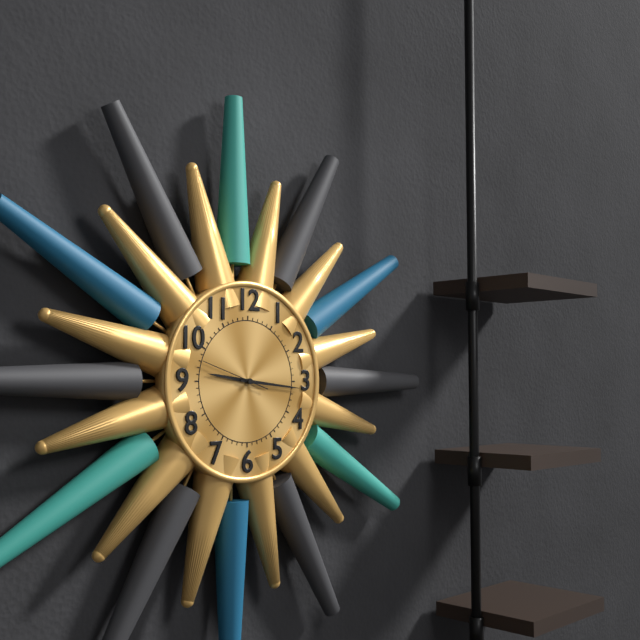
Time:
9:16:48
